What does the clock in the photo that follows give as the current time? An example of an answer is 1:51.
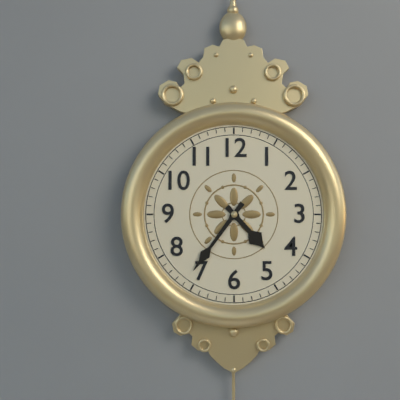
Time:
4:36
